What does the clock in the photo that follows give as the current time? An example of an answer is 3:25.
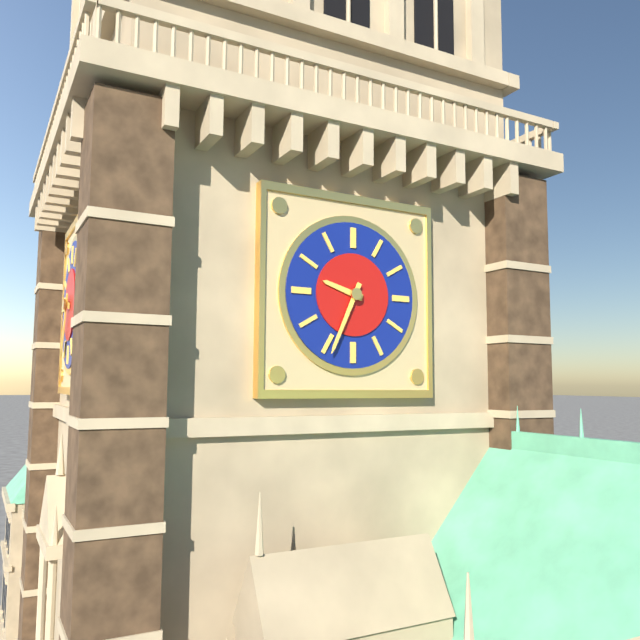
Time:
9:34
